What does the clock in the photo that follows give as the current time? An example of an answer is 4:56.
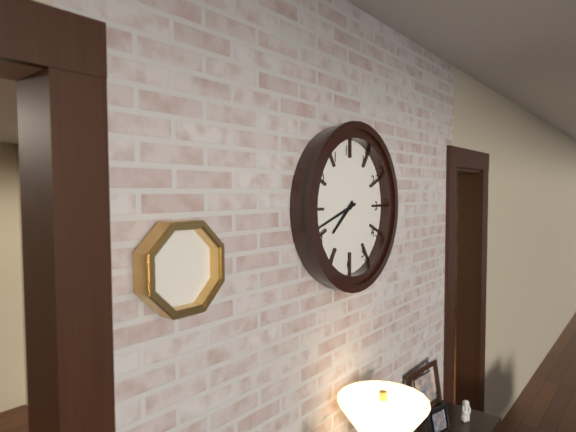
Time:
7:42
